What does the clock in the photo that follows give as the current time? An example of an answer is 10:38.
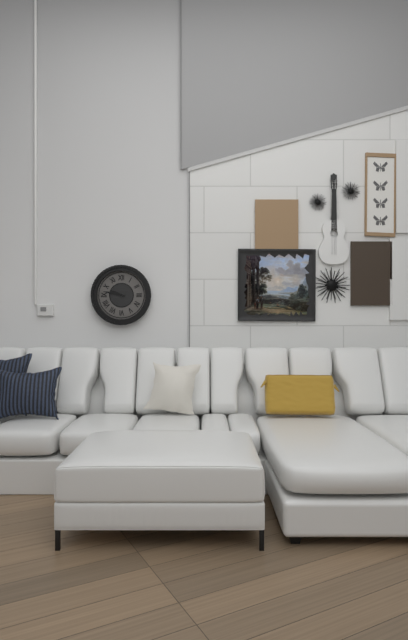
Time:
9:47
